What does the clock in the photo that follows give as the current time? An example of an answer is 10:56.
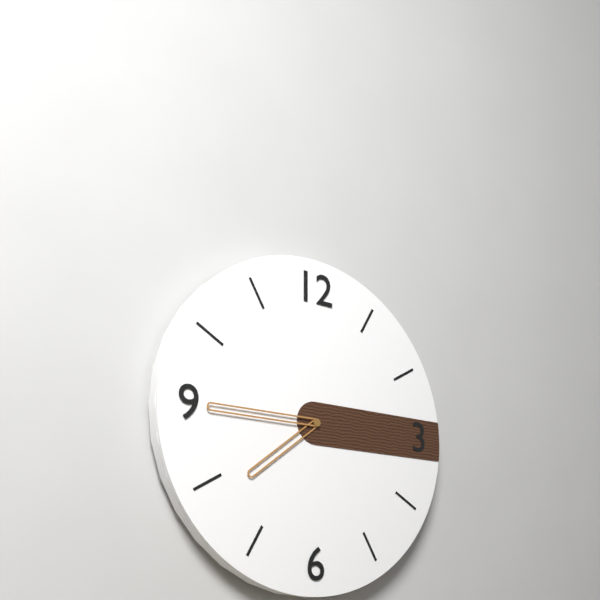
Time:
7:45
